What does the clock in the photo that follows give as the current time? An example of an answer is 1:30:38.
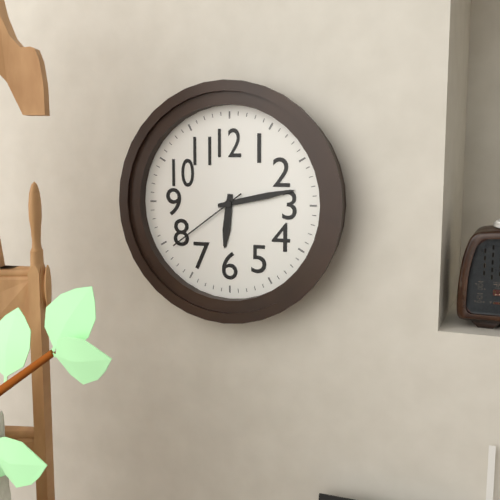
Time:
6:13:39
